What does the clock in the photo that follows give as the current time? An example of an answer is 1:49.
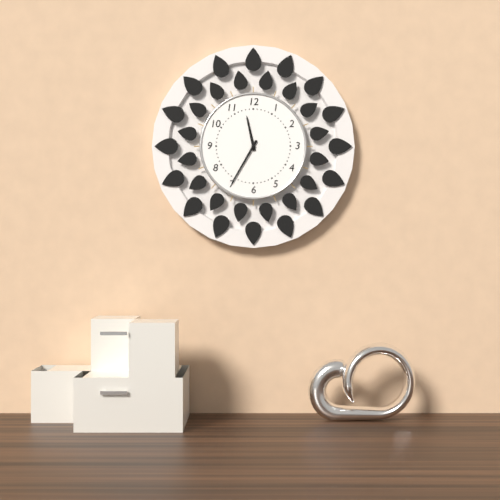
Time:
11:35
